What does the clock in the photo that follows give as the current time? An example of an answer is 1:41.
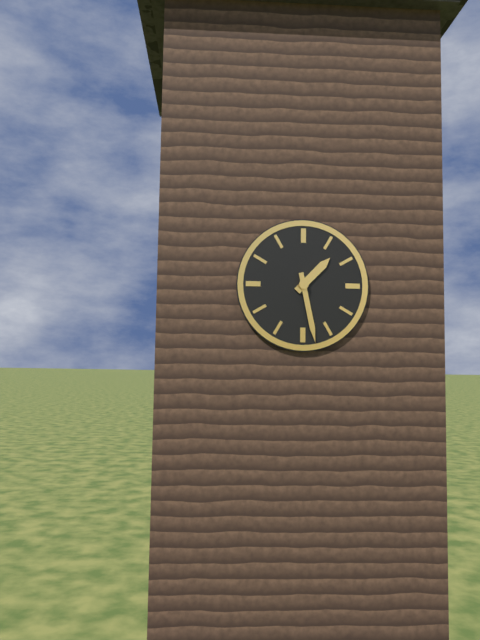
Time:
1:28
